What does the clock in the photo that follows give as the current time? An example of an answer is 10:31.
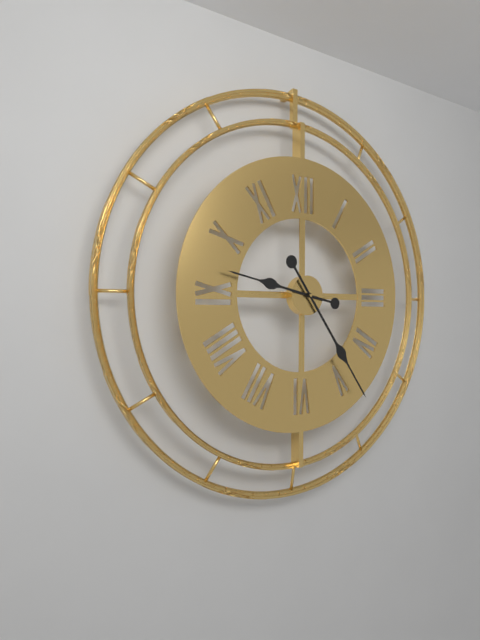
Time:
9:24
